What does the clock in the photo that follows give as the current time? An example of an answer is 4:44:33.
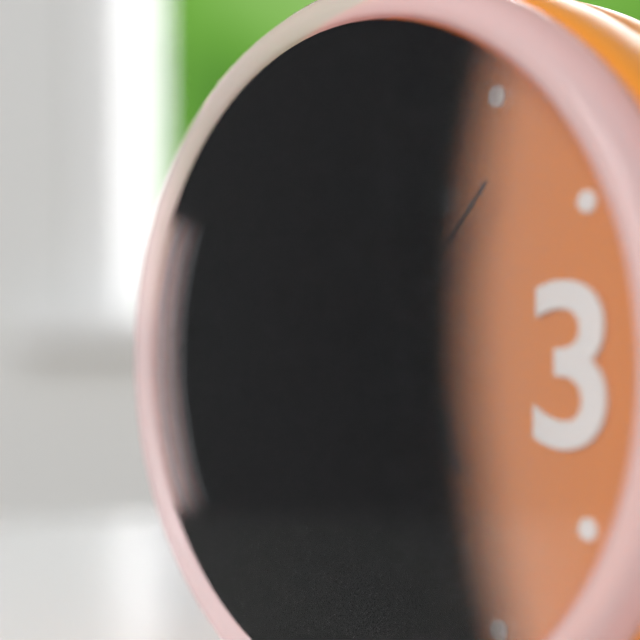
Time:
4:29:07
